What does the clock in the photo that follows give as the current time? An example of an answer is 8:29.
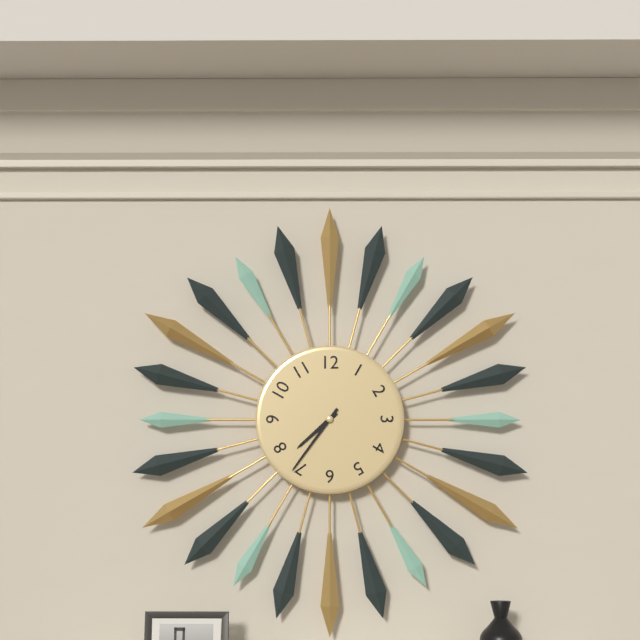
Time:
7:36
